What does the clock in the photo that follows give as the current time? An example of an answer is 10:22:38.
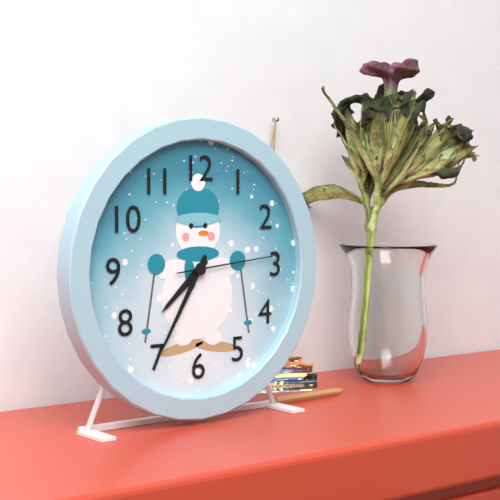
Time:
7:35:14
